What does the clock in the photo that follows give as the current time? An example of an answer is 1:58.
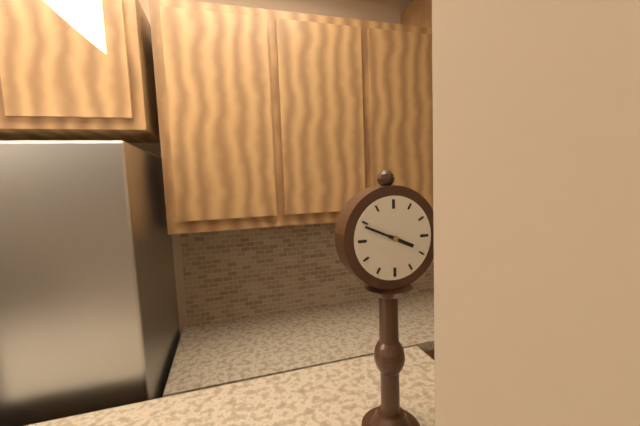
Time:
3:49
